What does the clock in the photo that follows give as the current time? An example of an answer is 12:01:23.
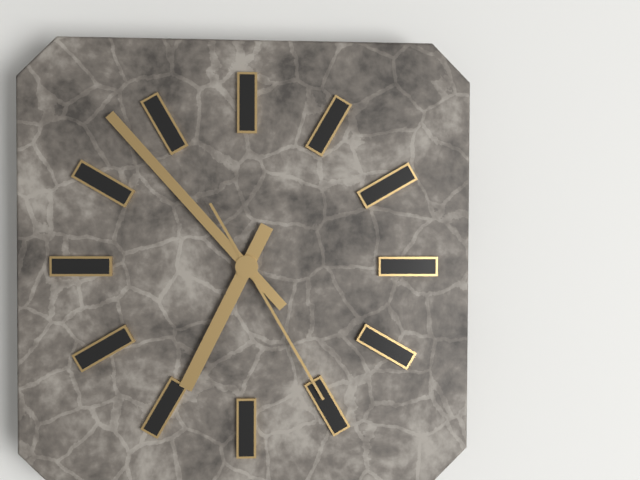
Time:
6:53:25
